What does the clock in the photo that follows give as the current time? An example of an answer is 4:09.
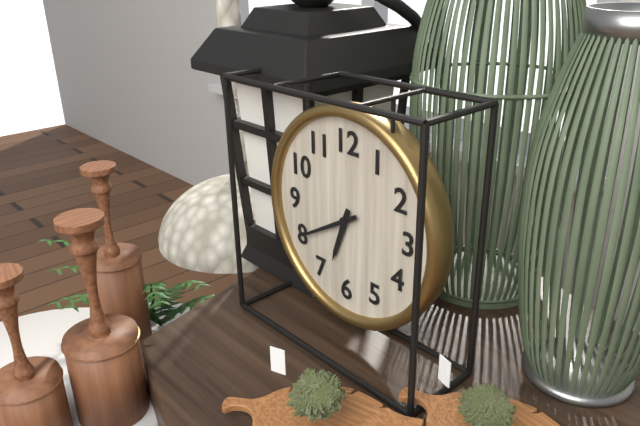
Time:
6:40
